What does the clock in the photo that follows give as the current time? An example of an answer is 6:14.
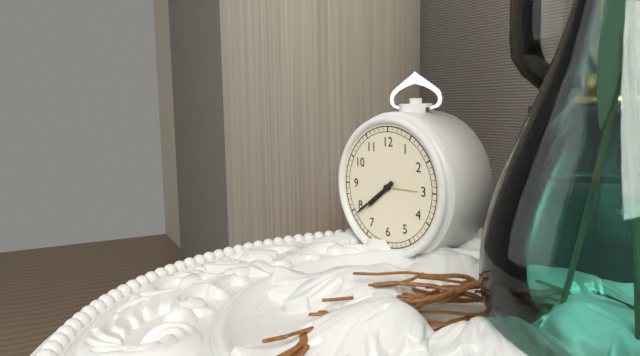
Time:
7:39
